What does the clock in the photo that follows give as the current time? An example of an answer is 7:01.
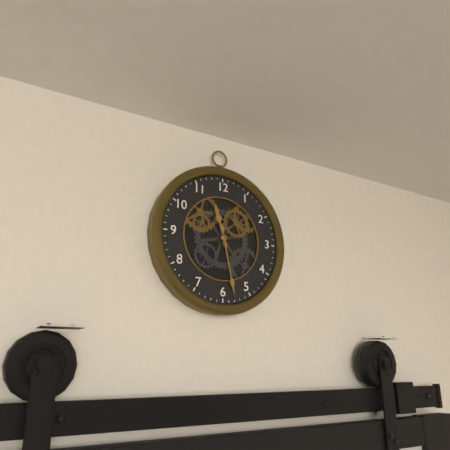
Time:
11:28
